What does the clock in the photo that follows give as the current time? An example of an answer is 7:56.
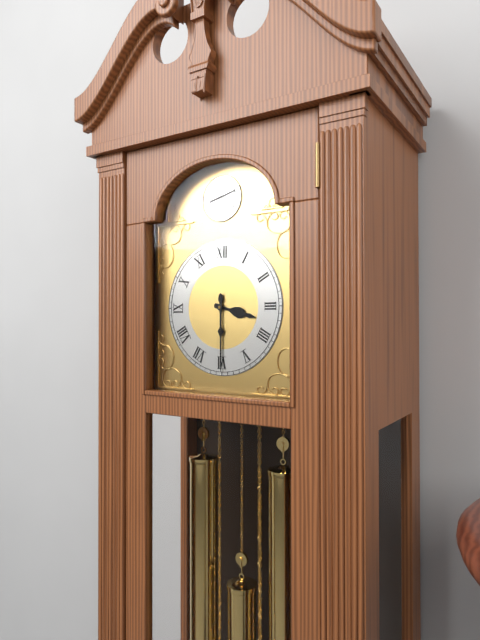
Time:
3:30
